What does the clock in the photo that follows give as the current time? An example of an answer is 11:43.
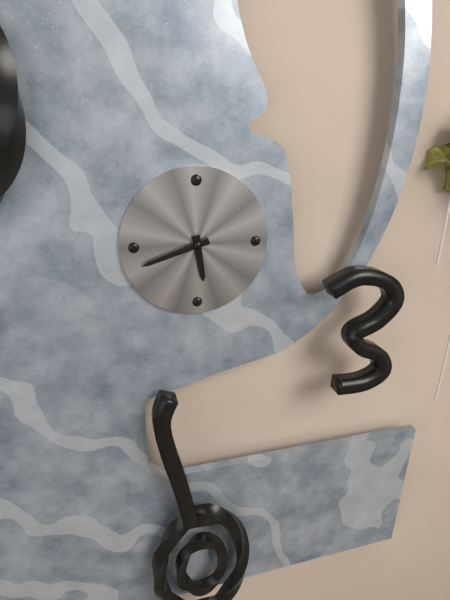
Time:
5:42
